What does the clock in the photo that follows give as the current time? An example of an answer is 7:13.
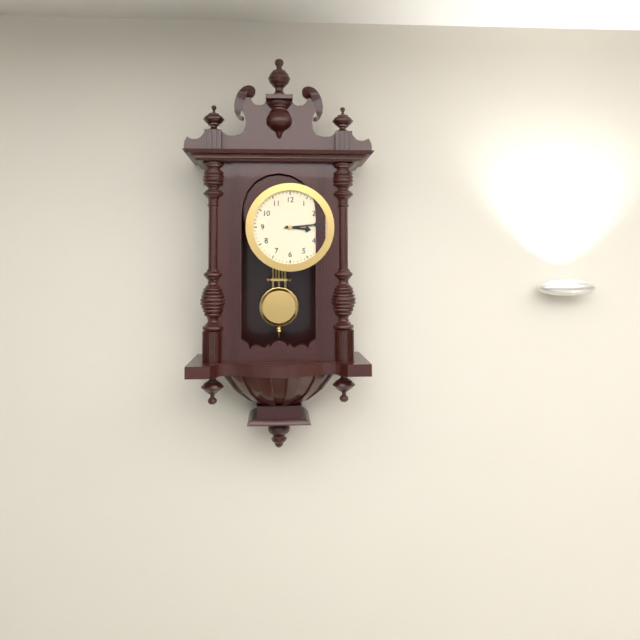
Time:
3:14
